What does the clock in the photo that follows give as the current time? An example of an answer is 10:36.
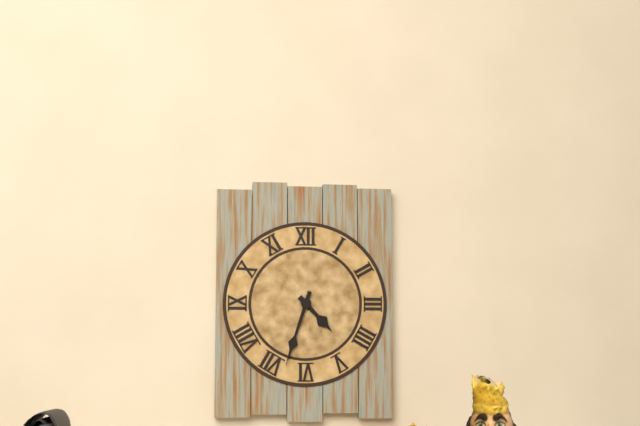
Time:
4:33
